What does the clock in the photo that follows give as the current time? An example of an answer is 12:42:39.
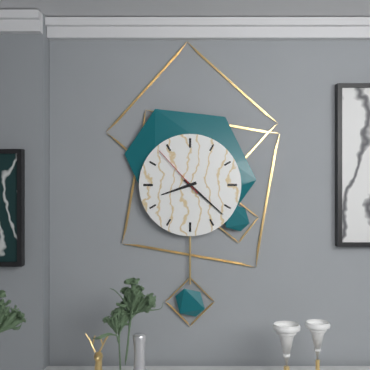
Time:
8:22:53
